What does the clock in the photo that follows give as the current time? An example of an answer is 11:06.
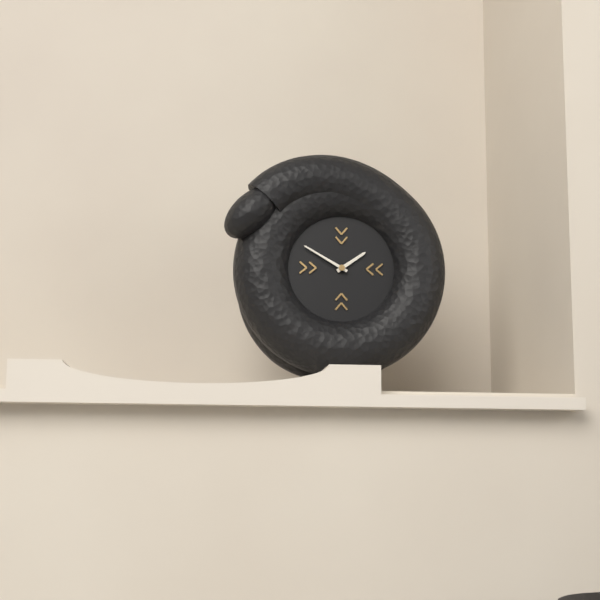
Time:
1:50
